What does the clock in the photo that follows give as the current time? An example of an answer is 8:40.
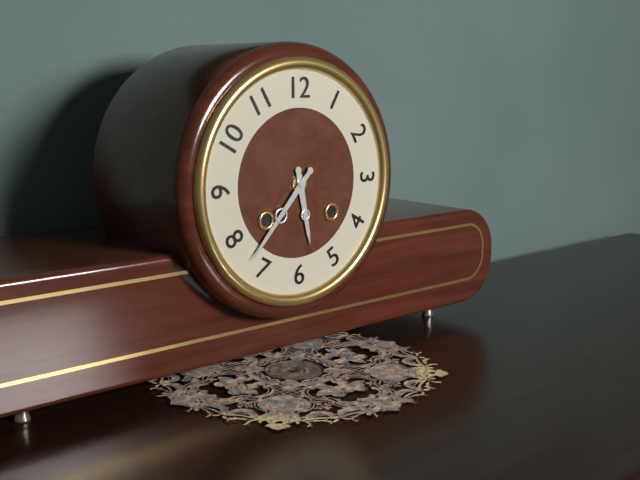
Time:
5:37
